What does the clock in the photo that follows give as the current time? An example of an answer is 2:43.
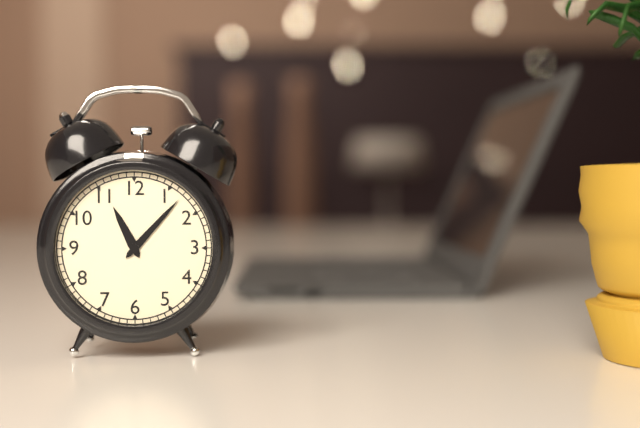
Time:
11:07
